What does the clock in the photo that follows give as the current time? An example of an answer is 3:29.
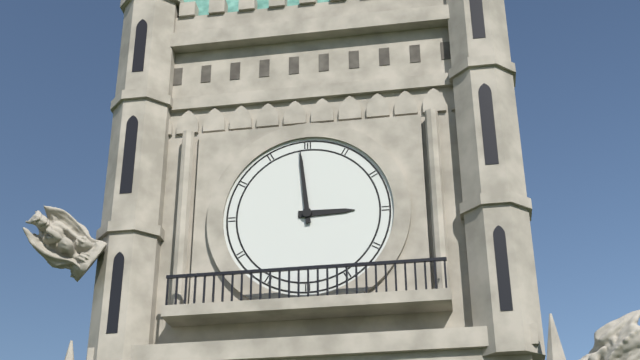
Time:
2:59
